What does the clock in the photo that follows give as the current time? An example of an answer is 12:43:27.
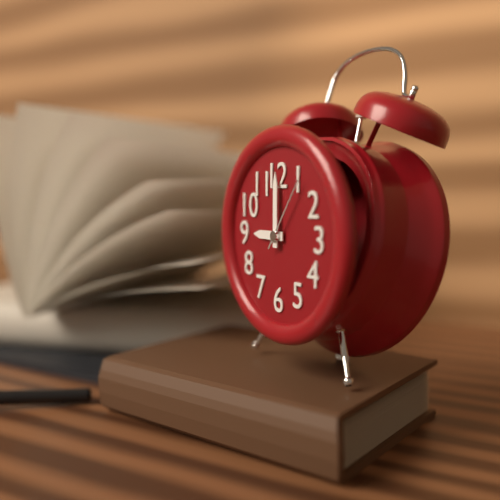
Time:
9:00:06
